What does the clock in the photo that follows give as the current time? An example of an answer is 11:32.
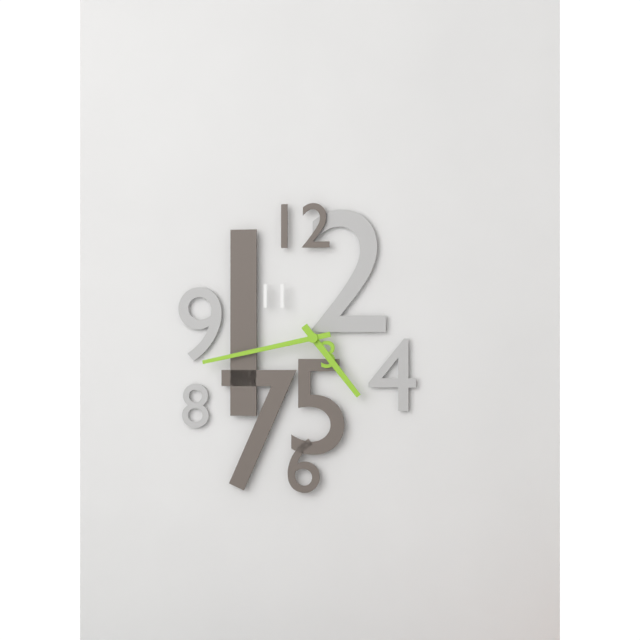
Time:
4:43
